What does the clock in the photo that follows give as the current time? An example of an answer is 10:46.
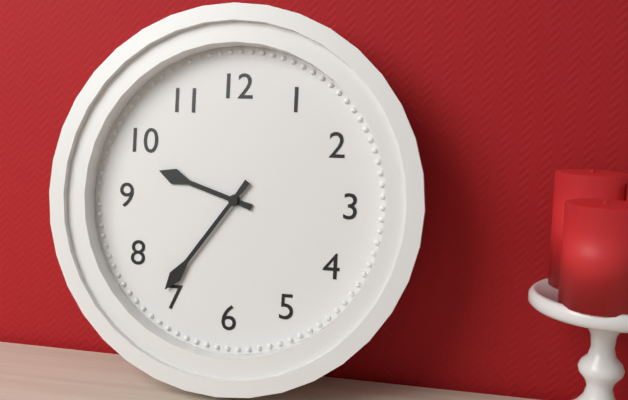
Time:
9:36
